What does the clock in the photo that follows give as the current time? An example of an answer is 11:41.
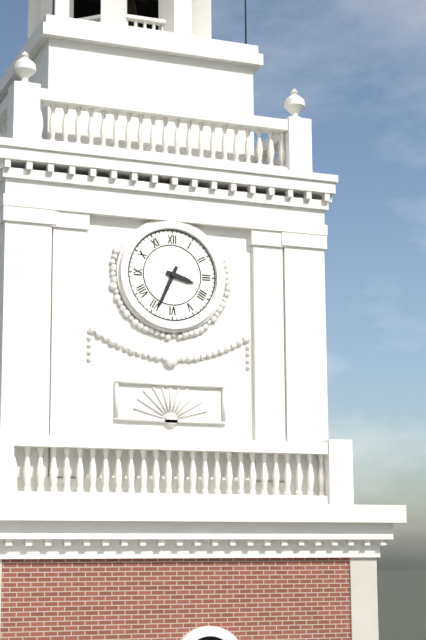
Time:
3:34
